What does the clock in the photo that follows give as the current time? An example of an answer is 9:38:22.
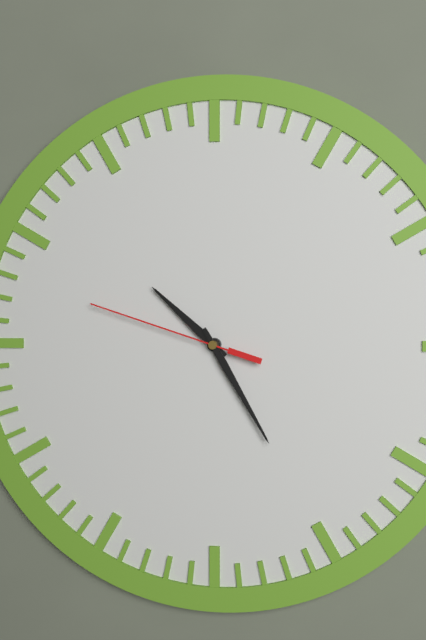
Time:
10:25:48
